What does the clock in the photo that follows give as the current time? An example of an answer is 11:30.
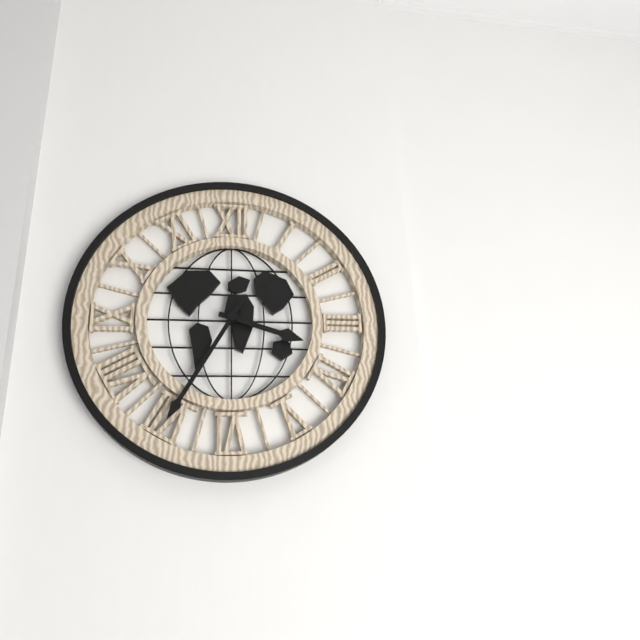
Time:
3:35
